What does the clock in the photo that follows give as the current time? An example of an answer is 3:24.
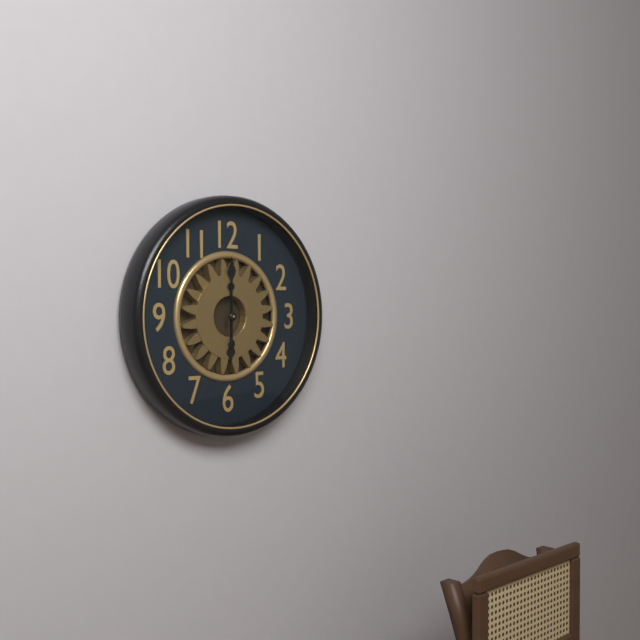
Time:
6:00
